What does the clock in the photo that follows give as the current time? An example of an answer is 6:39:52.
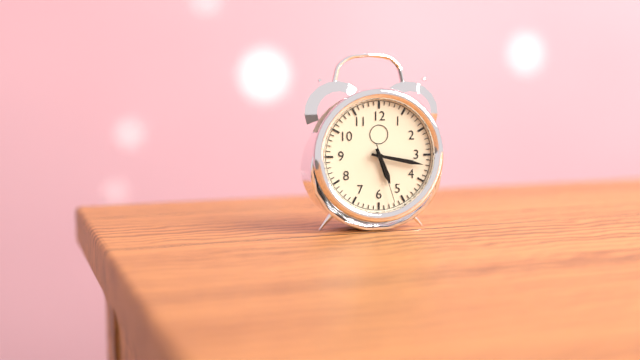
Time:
5:17:27
